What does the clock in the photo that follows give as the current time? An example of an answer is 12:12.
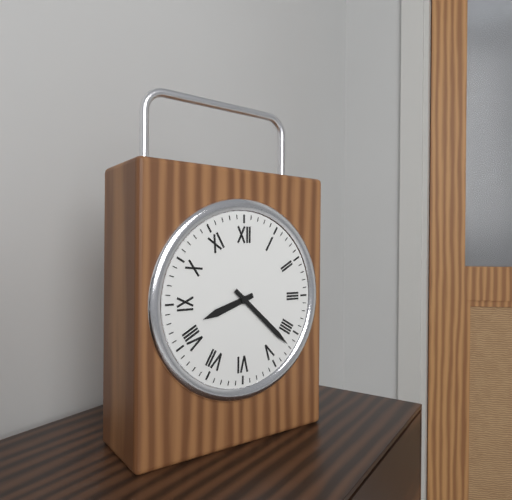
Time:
8:22
